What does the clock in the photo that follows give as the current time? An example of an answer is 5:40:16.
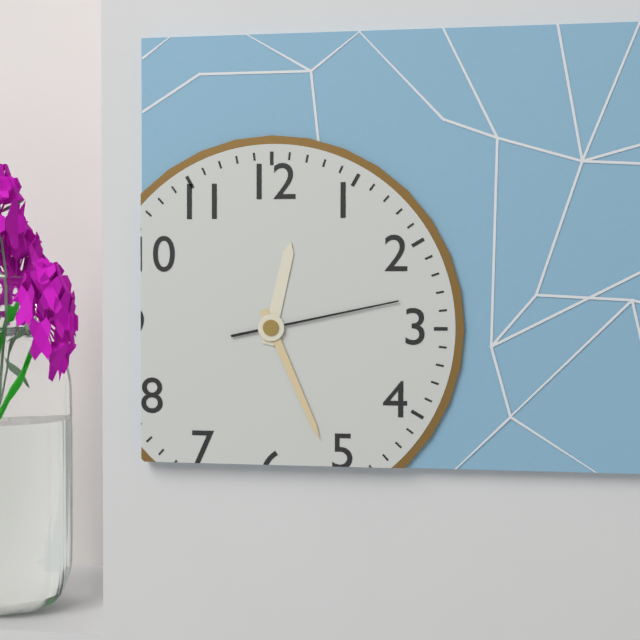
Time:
12:26:13
